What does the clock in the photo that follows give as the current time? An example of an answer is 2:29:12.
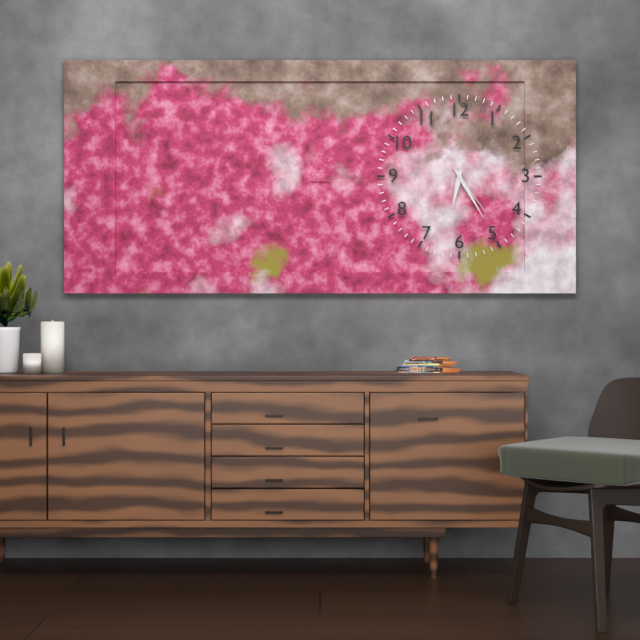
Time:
6:25:24
